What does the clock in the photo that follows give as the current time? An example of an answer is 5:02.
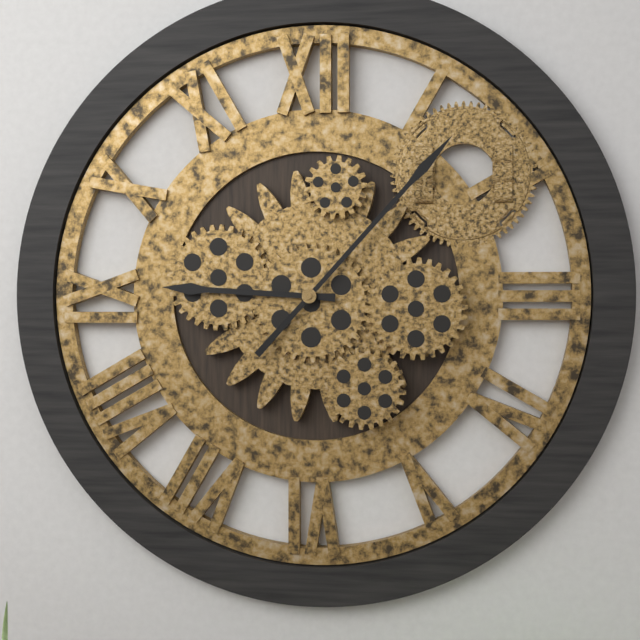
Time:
9:07
